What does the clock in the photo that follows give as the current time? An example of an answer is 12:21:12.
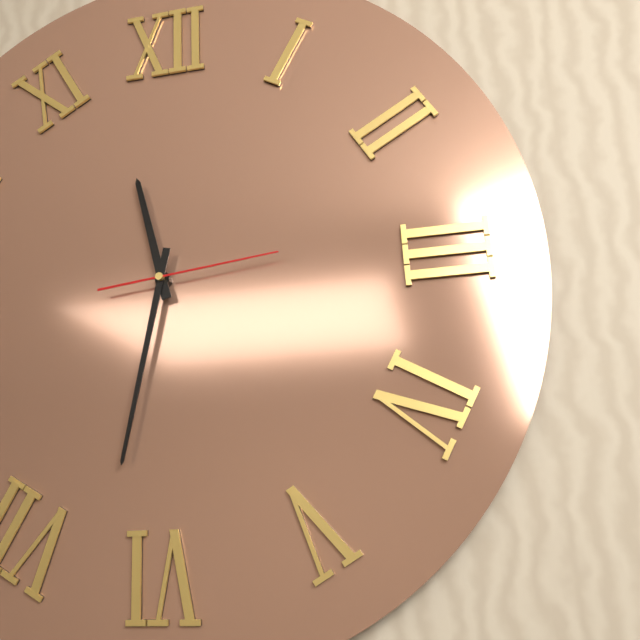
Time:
11:32:14
